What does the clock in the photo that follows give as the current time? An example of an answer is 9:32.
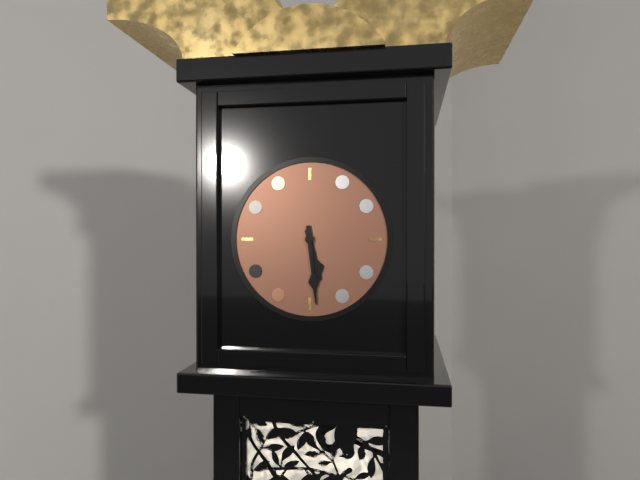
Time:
5:29
